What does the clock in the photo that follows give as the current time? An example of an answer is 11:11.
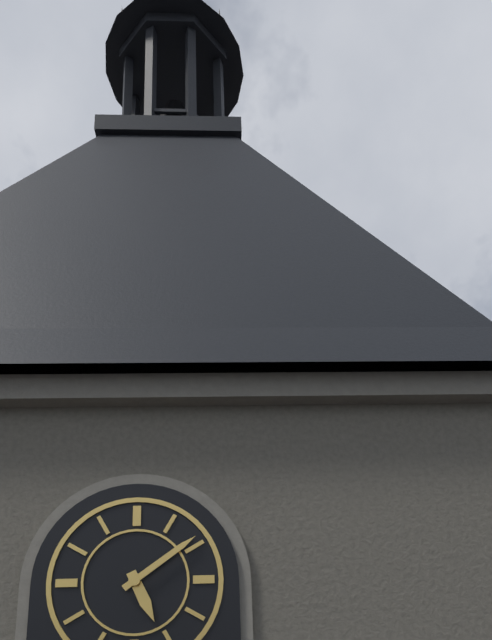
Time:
5:09
